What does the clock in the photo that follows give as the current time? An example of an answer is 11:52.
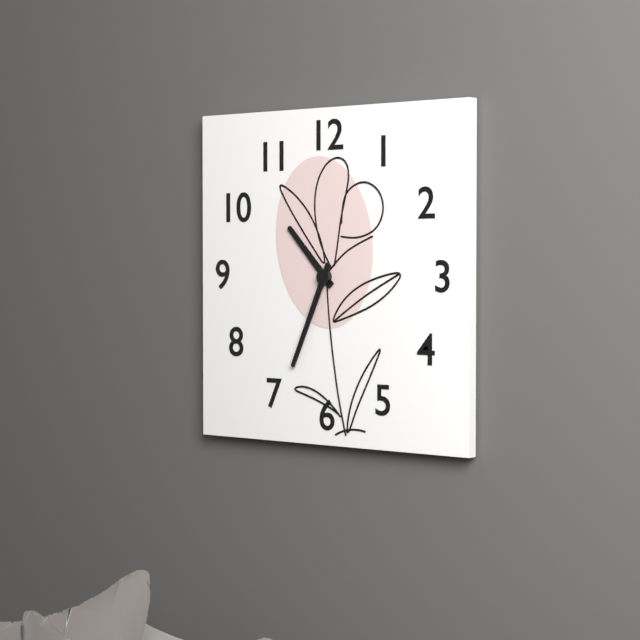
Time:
10:34
